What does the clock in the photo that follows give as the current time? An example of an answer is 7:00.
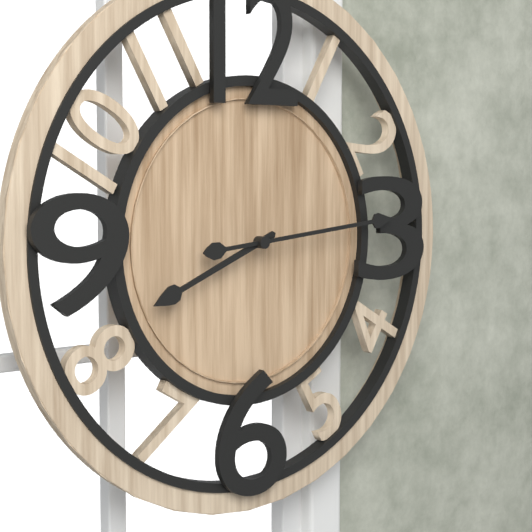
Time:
8:14
